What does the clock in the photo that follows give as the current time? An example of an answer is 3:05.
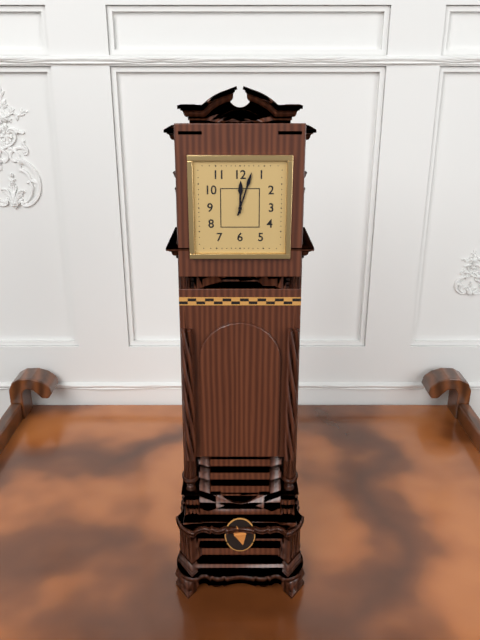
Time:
12:03
